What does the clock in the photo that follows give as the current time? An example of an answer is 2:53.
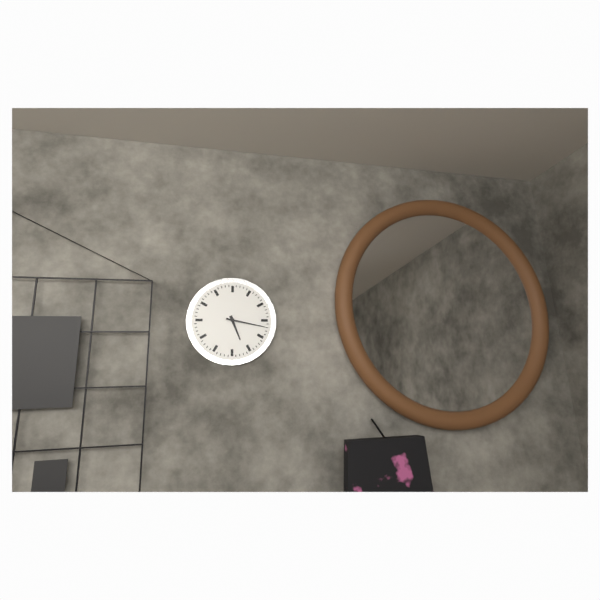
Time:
5:17
